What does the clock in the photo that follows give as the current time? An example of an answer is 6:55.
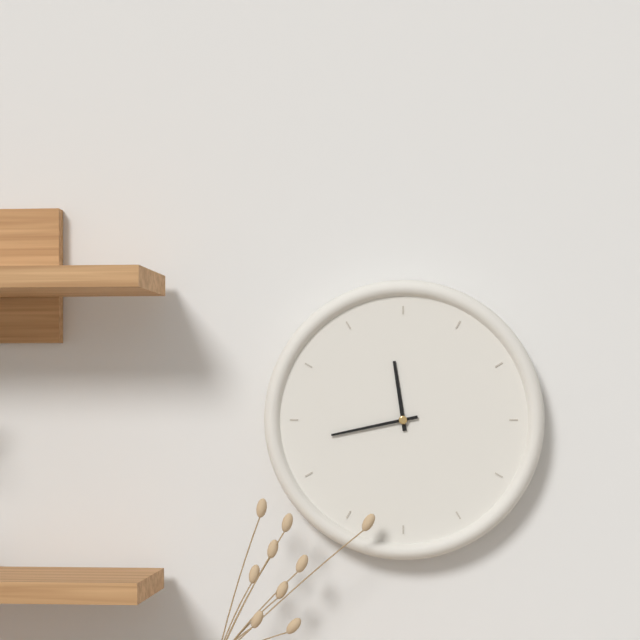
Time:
11:43
